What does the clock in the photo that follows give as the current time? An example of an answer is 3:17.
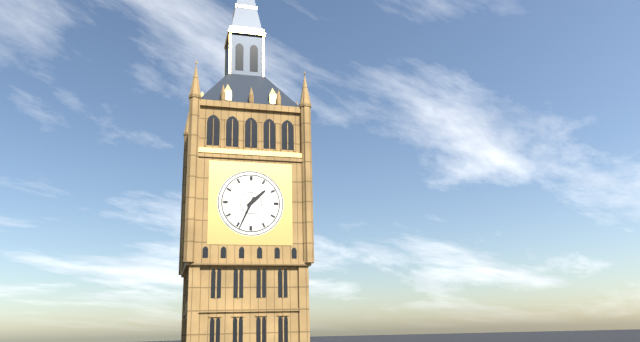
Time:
1:34
